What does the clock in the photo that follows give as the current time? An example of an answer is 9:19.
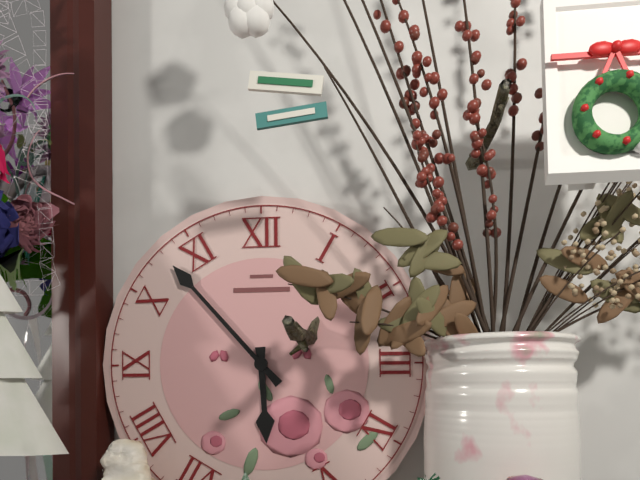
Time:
5:53
